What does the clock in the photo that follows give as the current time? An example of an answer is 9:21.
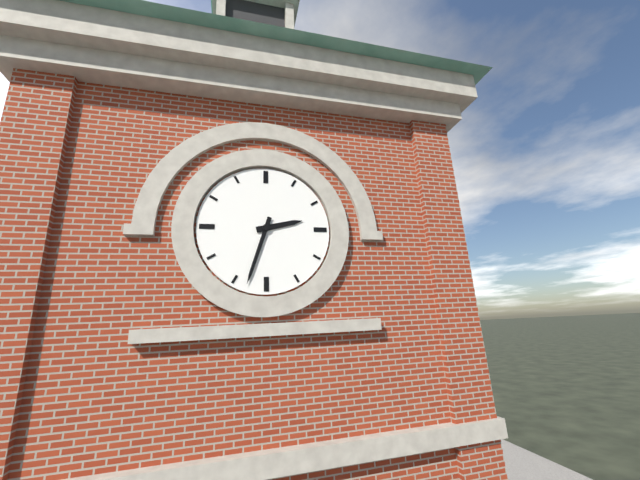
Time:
2:33
